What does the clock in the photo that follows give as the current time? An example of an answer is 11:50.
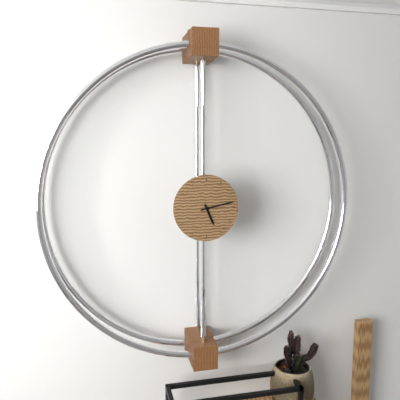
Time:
5:13
